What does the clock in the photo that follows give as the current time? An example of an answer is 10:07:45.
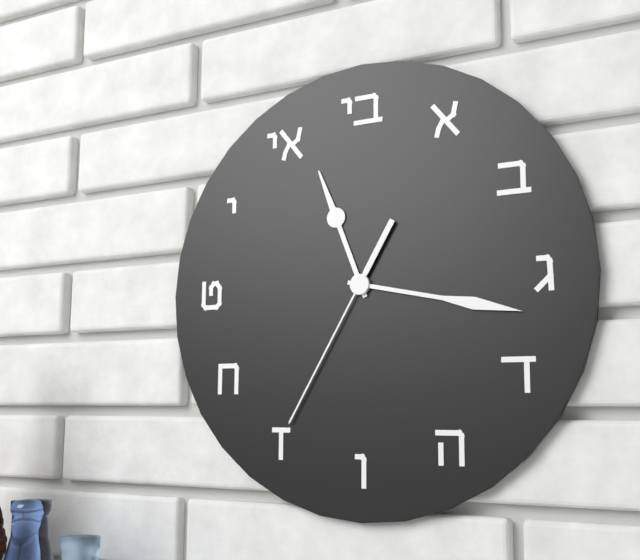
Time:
11:17:35
